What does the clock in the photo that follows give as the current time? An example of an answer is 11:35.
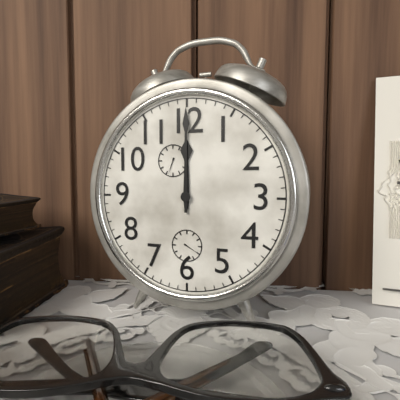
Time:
12:00
